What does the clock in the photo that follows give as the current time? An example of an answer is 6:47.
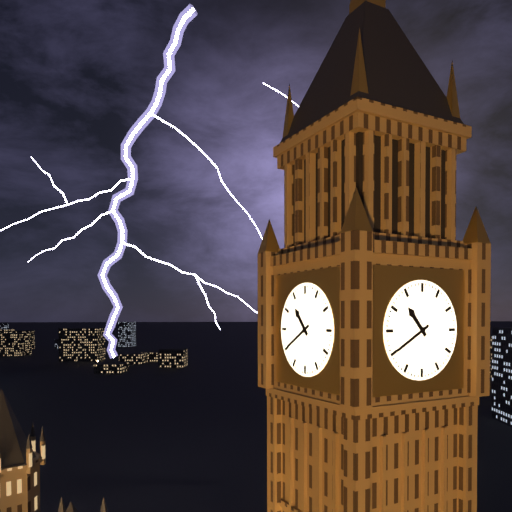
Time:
10:40
